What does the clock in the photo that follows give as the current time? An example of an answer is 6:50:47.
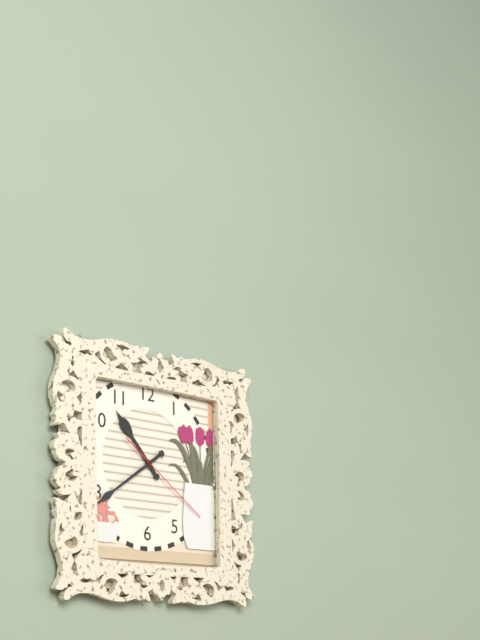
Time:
10:39:21
